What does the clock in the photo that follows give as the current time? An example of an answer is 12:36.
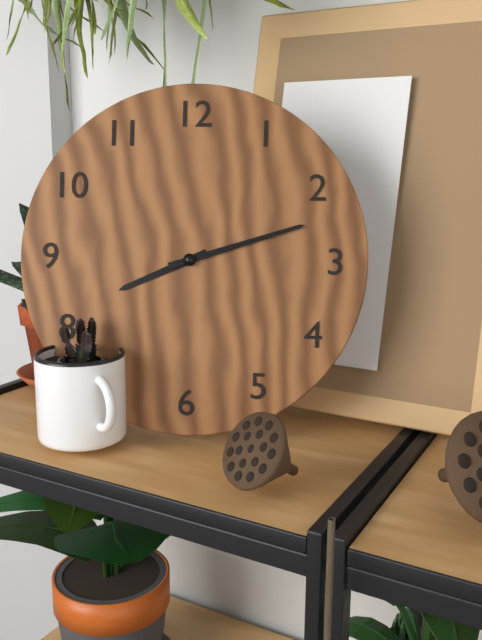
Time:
8:12
